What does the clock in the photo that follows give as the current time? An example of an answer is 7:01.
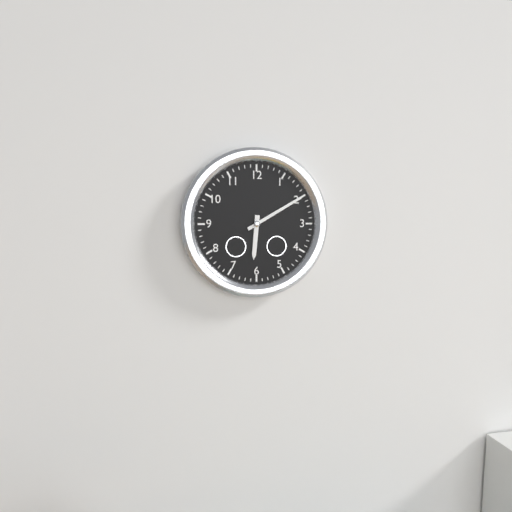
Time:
6:10
